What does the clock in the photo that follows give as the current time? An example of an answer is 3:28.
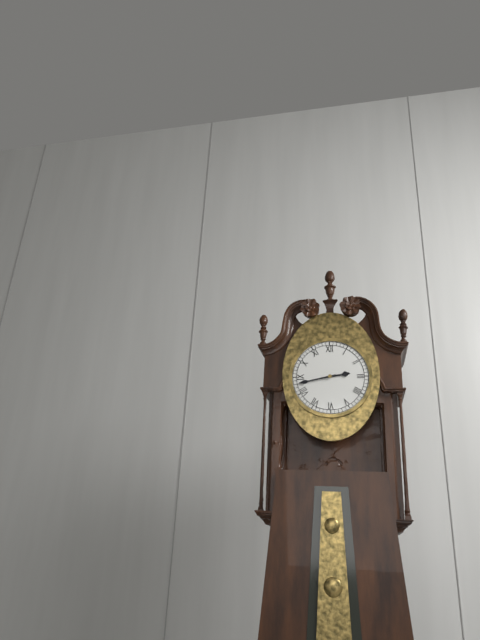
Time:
2:43
